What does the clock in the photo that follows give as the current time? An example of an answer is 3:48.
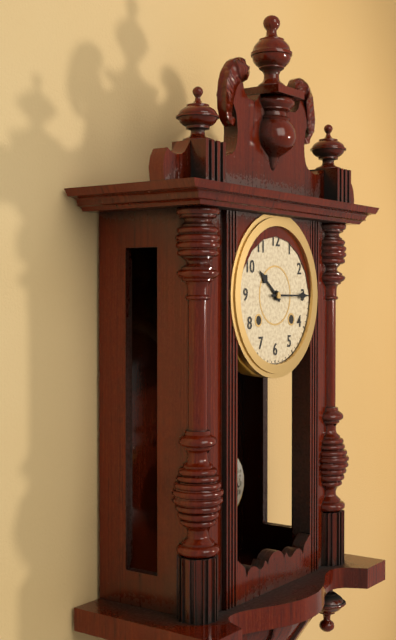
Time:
10:15
